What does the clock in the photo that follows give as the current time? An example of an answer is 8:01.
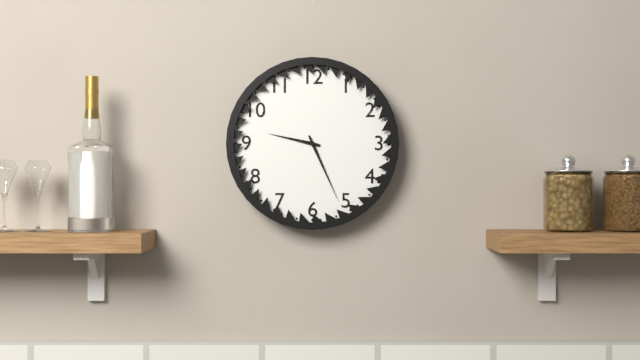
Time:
9:26
